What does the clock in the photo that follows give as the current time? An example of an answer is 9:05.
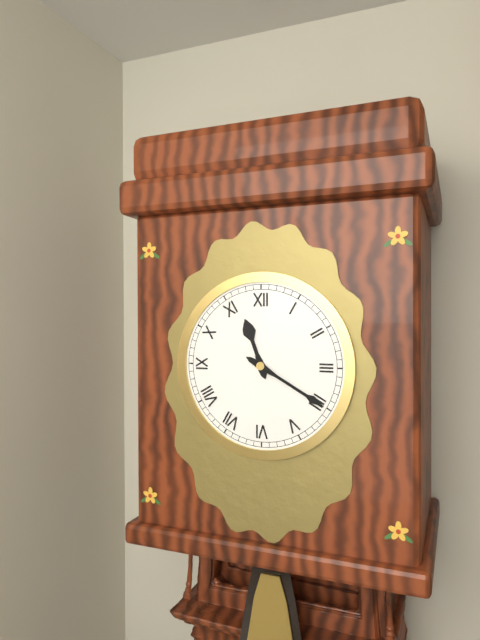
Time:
11:20
